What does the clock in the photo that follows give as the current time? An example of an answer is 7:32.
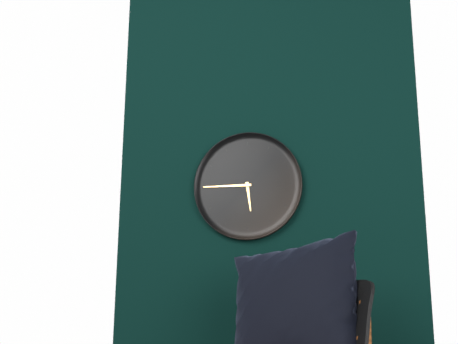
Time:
5:45
